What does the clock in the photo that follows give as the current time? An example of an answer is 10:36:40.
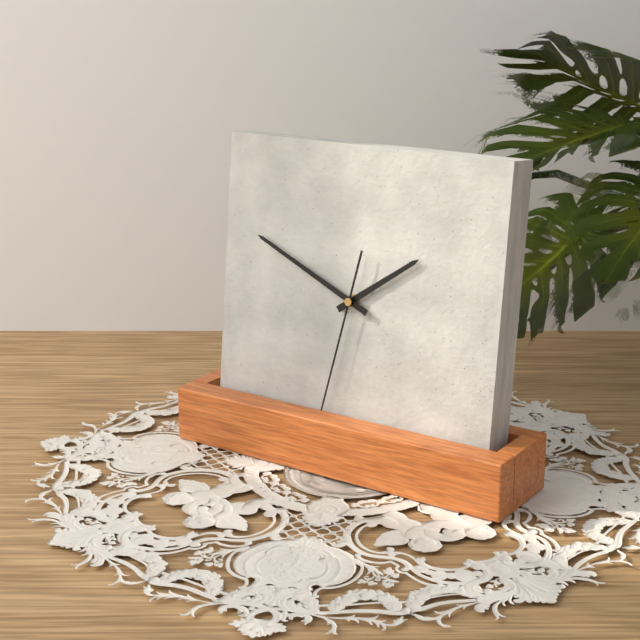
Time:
1:49:32
